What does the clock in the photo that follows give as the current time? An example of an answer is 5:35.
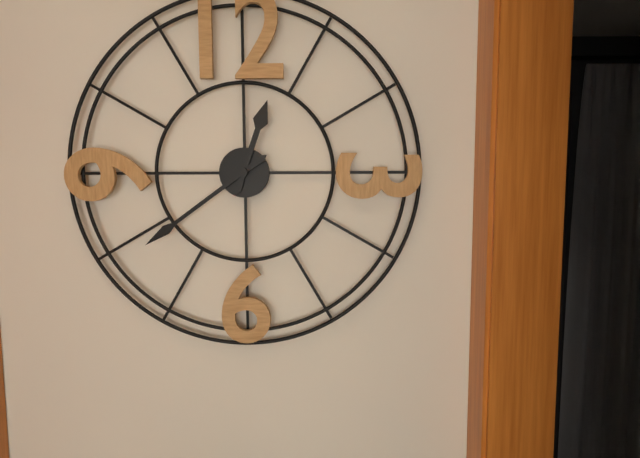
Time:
12:39
